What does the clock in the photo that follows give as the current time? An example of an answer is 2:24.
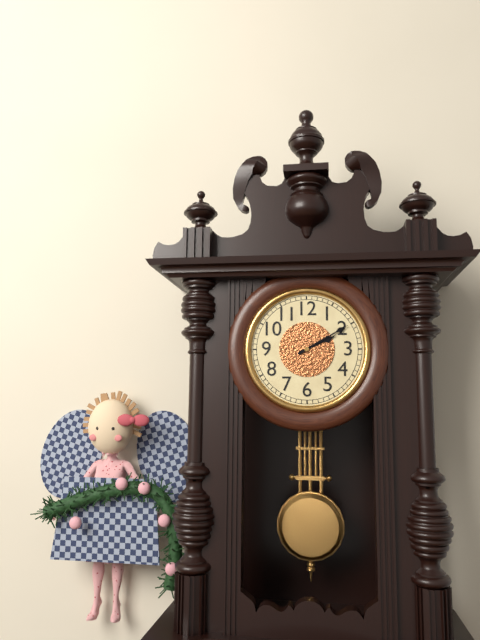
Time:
2:10
